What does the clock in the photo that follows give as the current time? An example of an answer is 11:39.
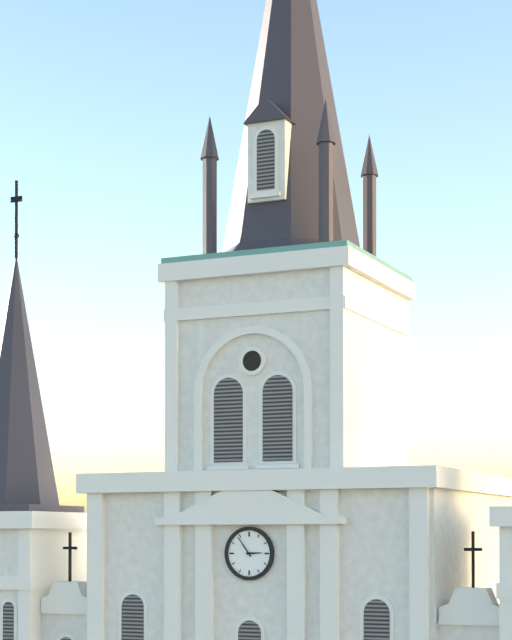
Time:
2:54
